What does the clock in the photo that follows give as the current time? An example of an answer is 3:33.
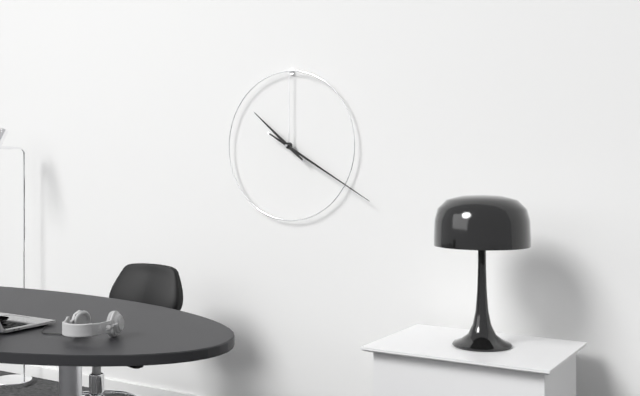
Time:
10:20
